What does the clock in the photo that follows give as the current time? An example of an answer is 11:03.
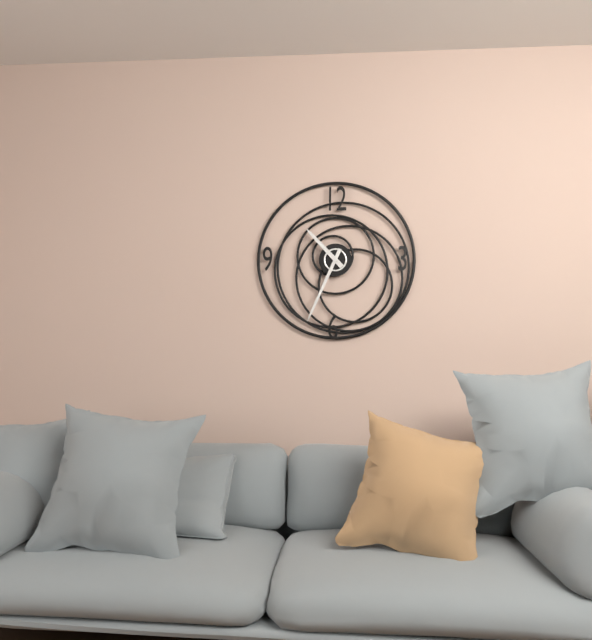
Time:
10:34
